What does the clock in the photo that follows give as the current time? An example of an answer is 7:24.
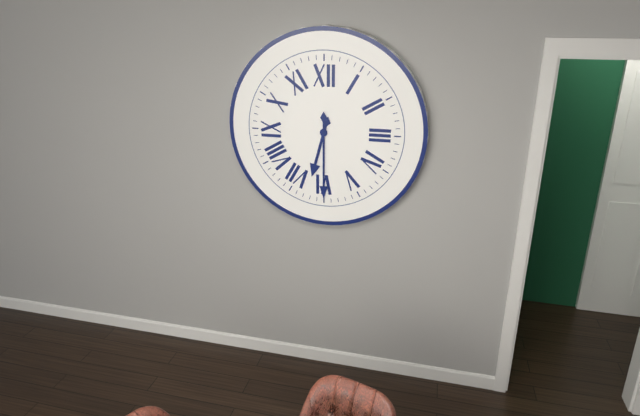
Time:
6:30
